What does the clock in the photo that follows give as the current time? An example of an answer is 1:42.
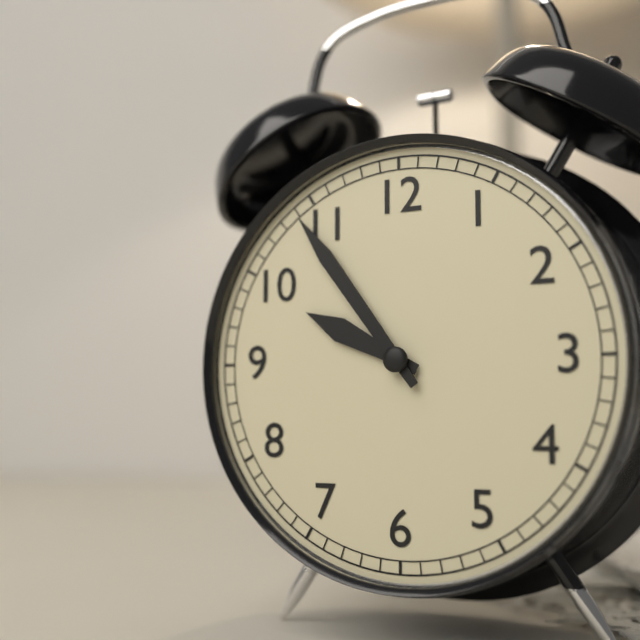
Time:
9:54
